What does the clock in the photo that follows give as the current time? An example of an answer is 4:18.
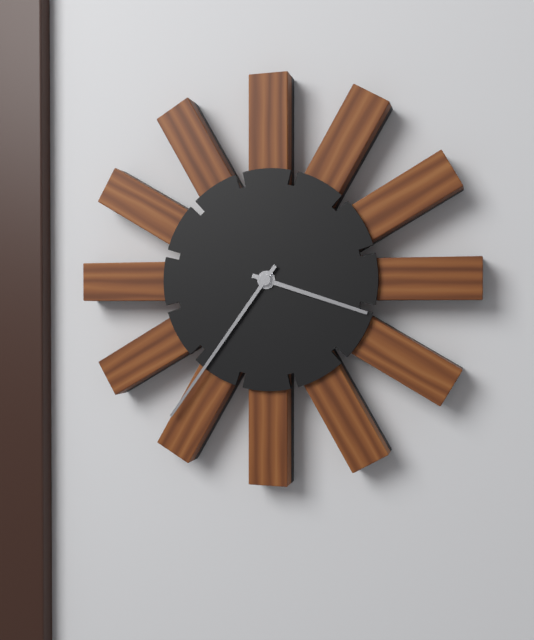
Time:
3:36
